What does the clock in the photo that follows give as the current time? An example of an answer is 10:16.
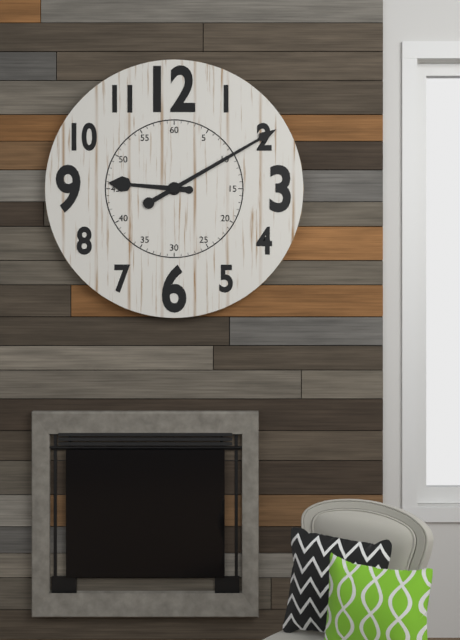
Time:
9:10
